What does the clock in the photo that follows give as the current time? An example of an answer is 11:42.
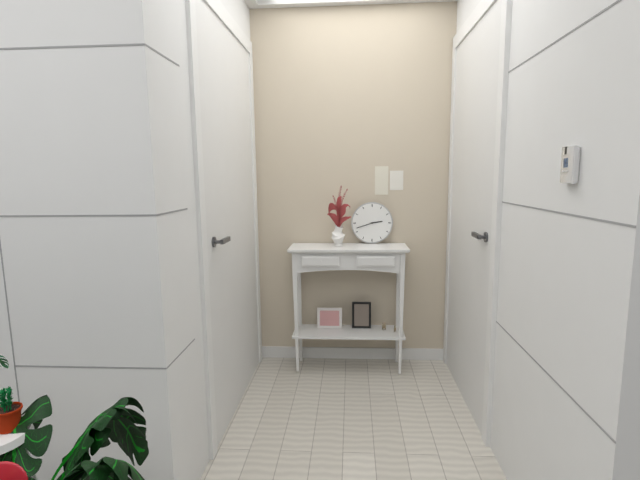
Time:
2:42
